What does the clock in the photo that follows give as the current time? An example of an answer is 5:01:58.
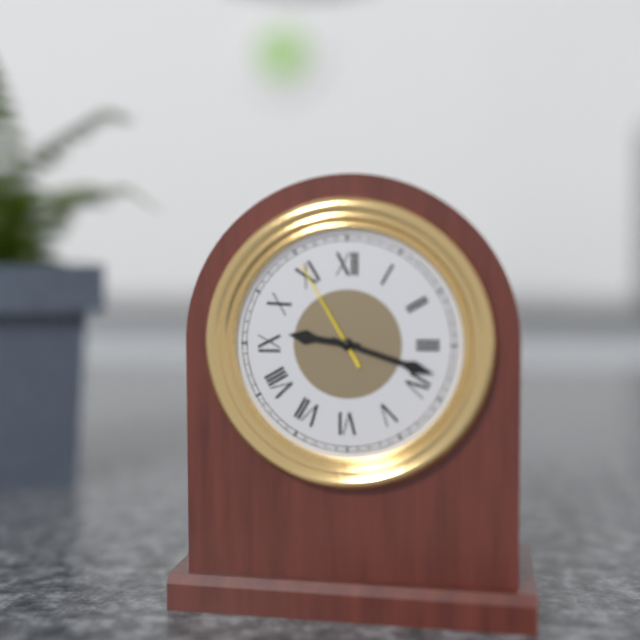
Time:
9:18:55
